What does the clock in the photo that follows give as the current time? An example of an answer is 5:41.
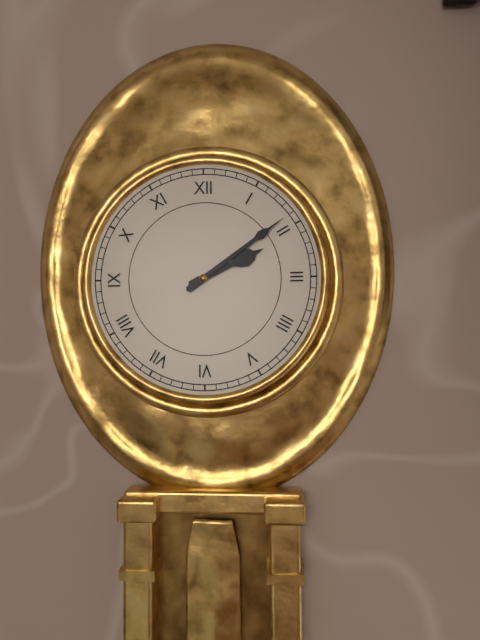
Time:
2:09
